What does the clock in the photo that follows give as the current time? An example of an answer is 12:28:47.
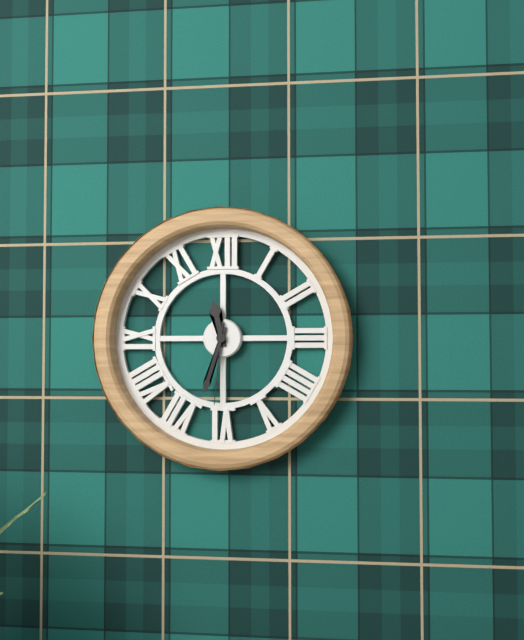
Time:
11:33:31
